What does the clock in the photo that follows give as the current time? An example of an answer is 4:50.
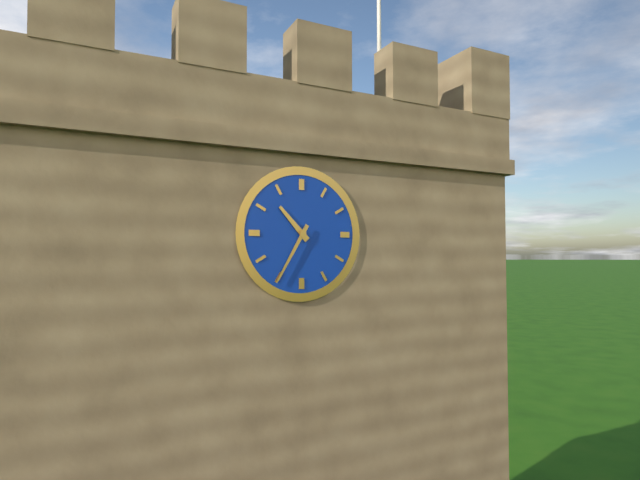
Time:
10:35
